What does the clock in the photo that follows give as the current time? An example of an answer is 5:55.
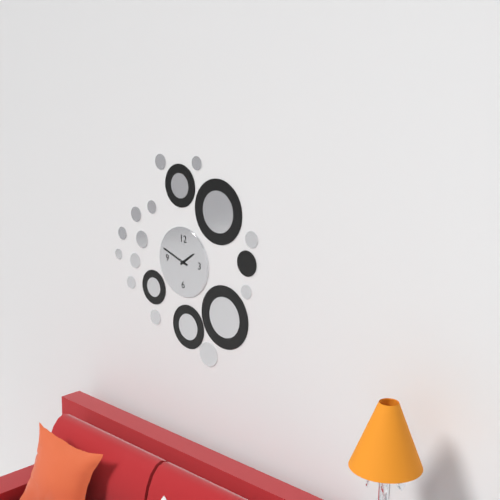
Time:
1:48
